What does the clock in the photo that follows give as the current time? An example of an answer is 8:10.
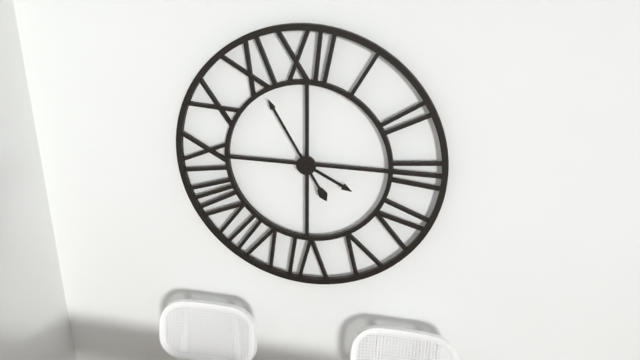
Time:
3:55
